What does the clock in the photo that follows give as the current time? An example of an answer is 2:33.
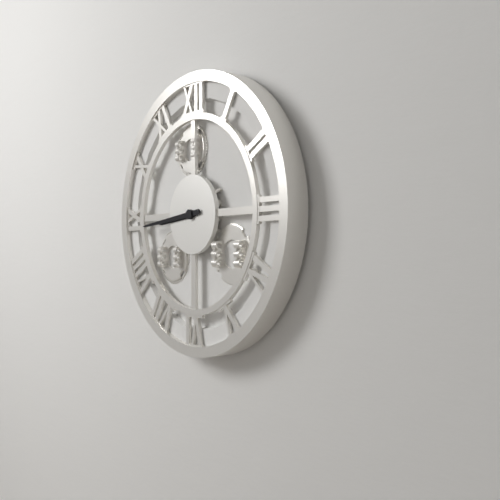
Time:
8:44
